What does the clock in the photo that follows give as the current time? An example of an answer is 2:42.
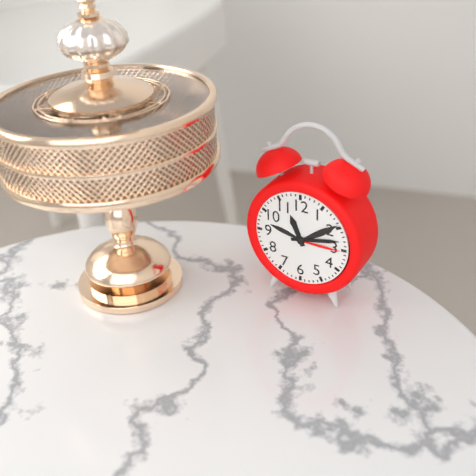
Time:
11:13
